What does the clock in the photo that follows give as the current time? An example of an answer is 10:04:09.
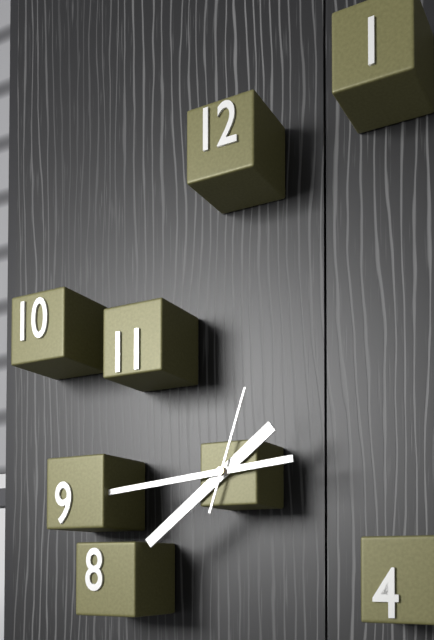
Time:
7:44:03
